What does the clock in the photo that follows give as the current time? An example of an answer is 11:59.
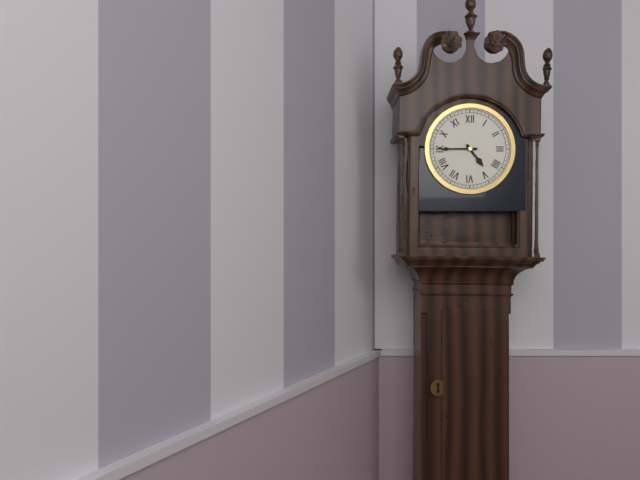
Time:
4:45
